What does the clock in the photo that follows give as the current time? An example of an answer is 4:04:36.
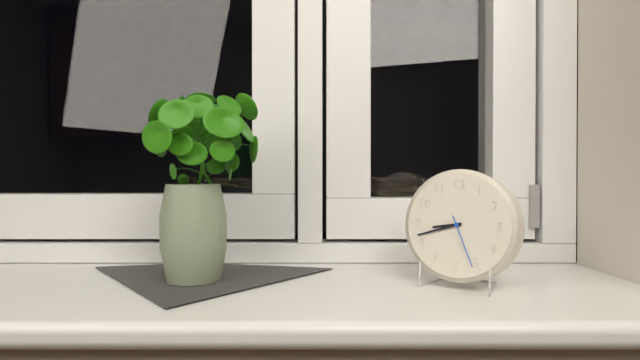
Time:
8:42:26
